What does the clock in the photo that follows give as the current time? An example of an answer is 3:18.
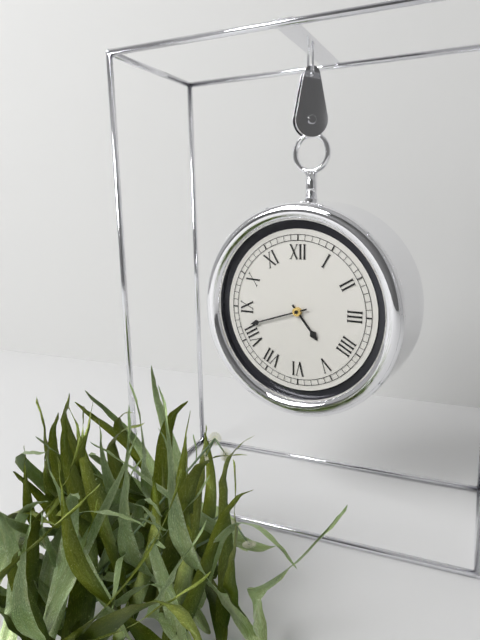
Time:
4:42
